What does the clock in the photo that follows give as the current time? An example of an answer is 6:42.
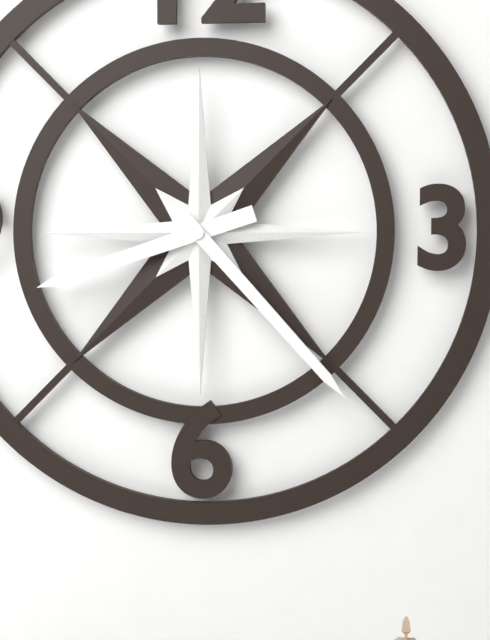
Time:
8:23
